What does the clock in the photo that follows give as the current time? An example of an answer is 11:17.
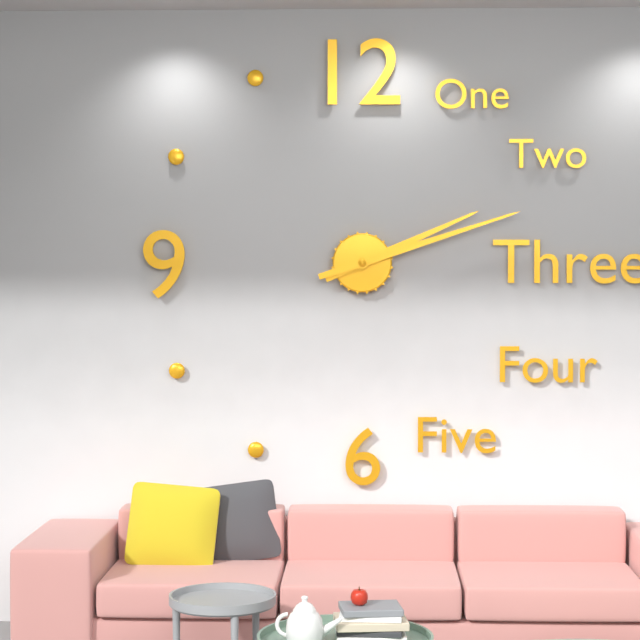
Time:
2:12
